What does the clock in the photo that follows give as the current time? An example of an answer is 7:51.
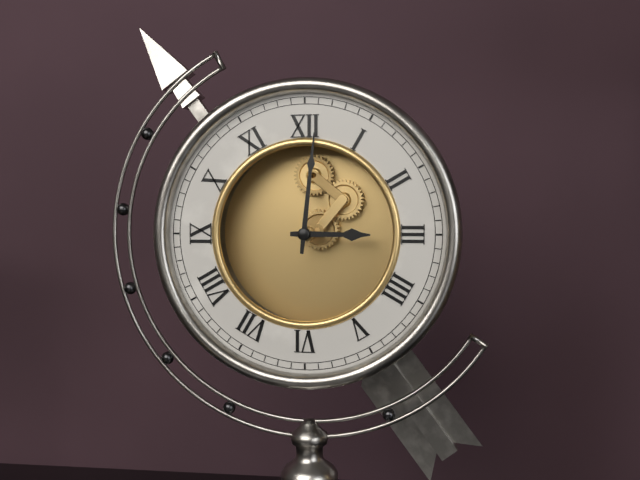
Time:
3:01
